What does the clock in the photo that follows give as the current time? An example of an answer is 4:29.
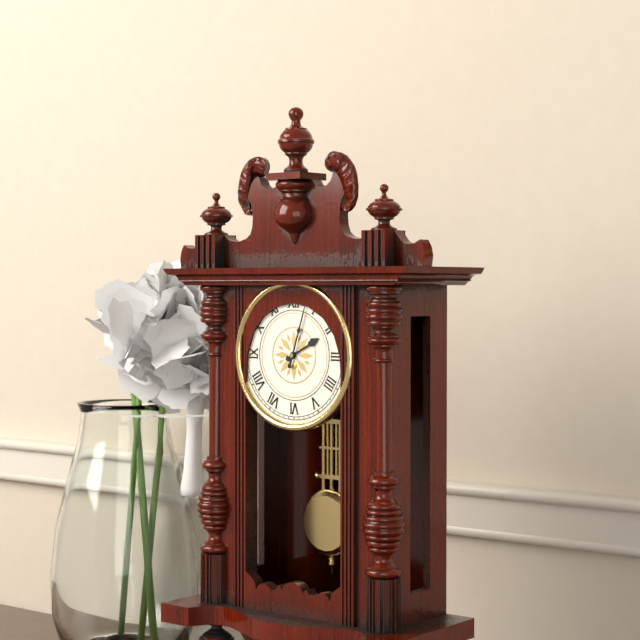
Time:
2:03
